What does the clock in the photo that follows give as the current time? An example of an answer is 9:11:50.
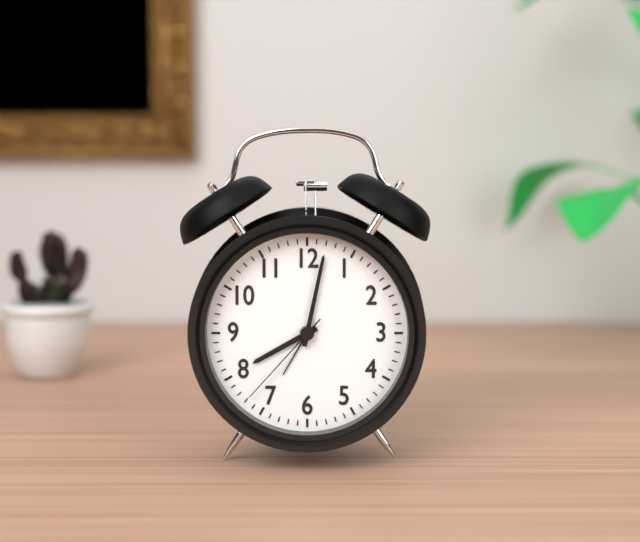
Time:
8:02:37
